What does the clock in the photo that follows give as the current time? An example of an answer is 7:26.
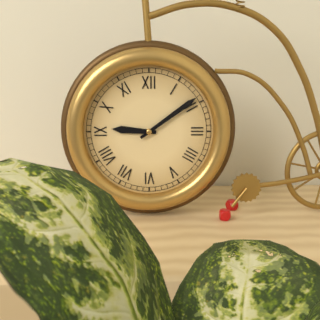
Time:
9:09
